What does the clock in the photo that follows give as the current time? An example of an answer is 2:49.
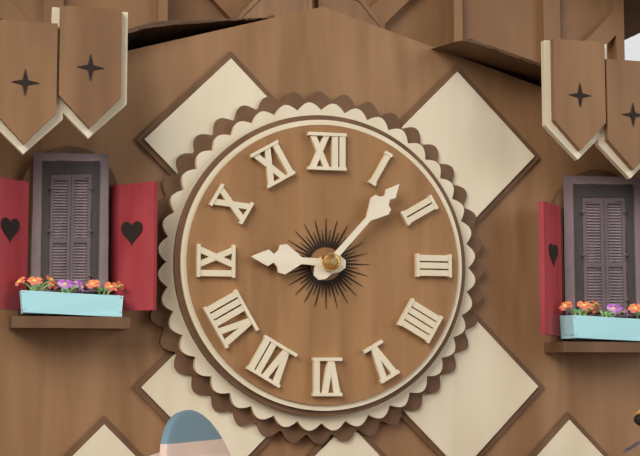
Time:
9:07
